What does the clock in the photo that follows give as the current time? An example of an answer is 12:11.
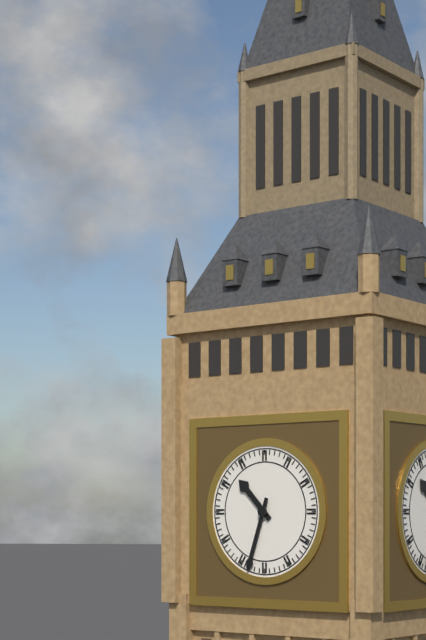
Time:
10:33
